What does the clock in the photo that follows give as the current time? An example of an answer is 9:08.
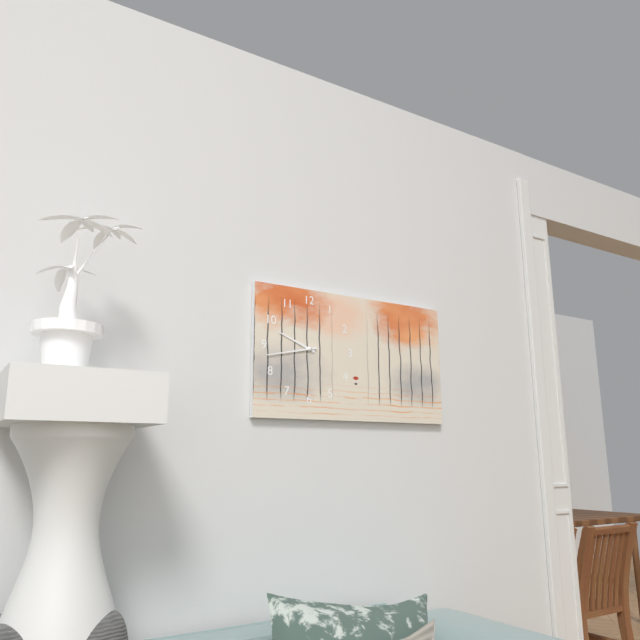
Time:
9:43
